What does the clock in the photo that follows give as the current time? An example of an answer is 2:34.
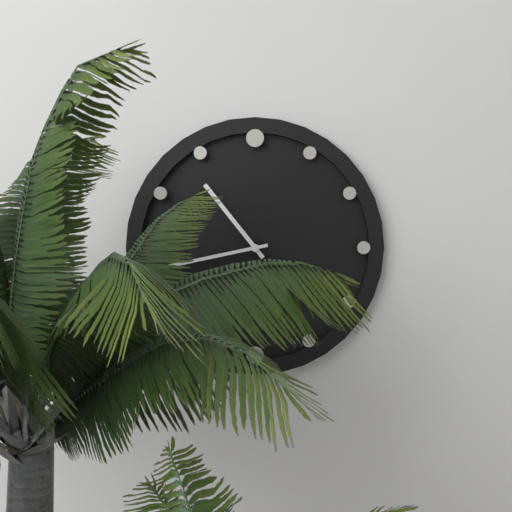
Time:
10:43
